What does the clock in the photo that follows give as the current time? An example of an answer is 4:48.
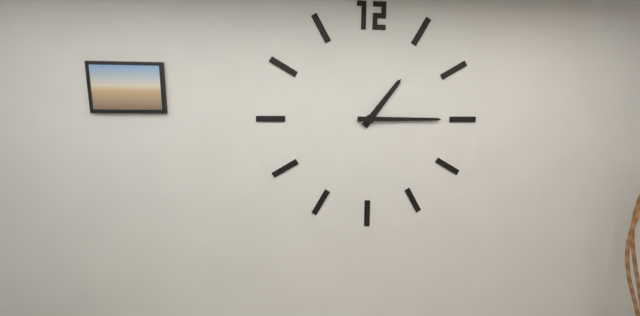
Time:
1:15
